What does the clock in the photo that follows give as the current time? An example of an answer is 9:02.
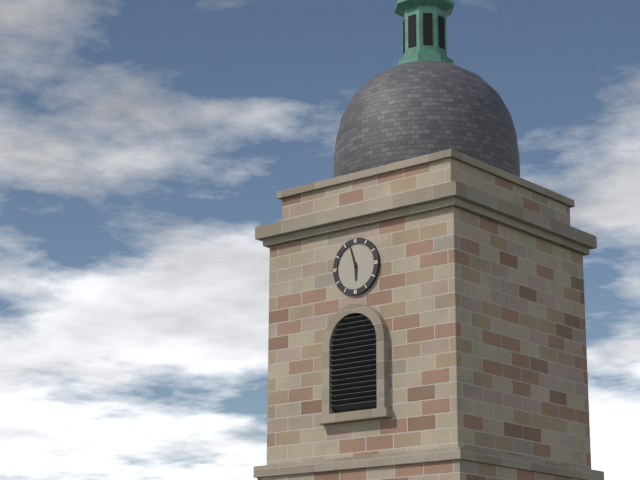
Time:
5:57
